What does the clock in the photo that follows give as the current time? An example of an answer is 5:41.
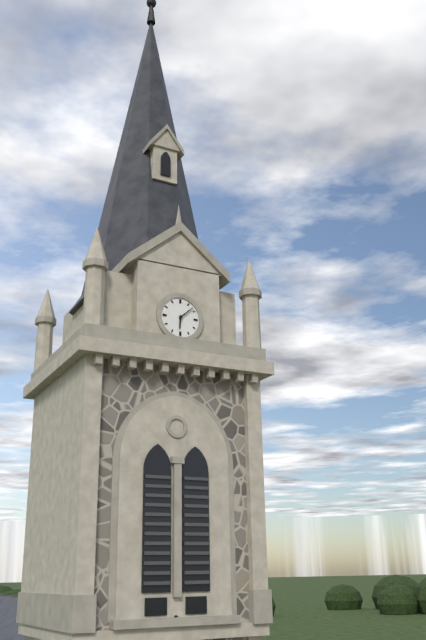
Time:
6:08
